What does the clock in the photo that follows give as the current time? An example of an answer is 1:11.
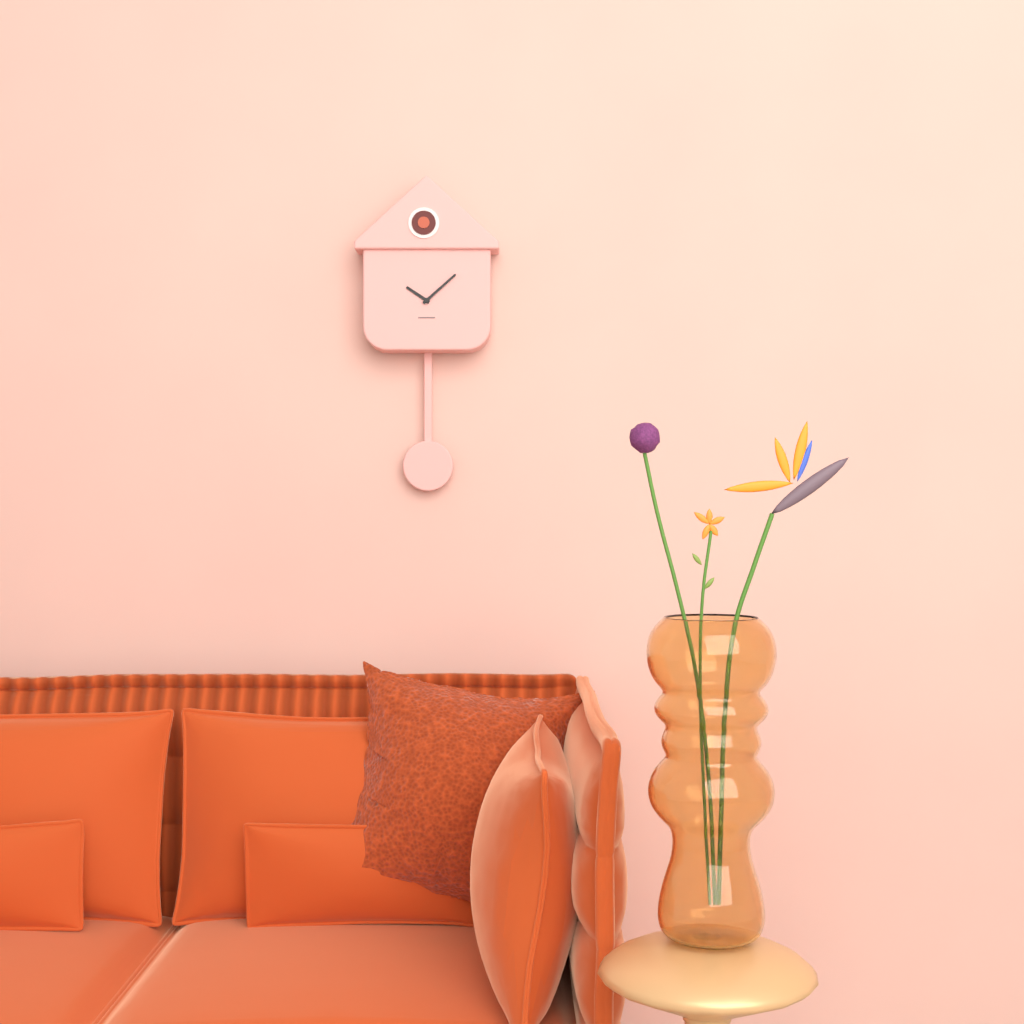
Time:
10:08
